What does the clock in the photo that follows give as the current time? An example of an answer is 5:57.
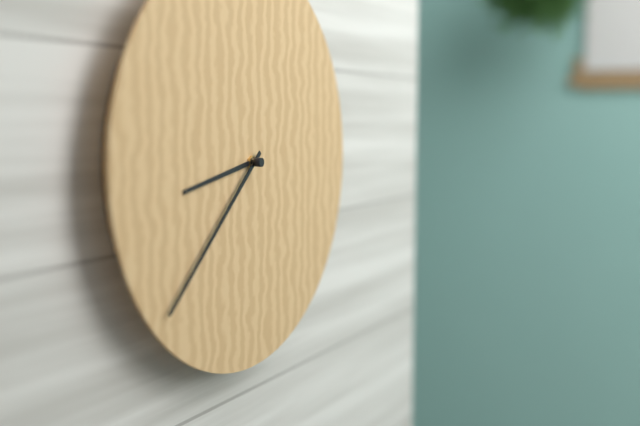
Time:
8:38
